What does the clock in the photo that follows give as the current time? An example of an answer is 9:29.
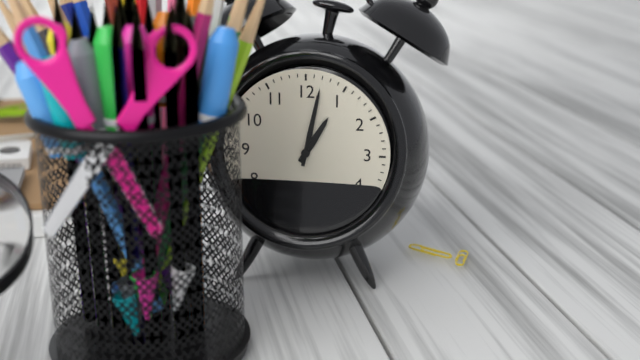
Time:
1:02
